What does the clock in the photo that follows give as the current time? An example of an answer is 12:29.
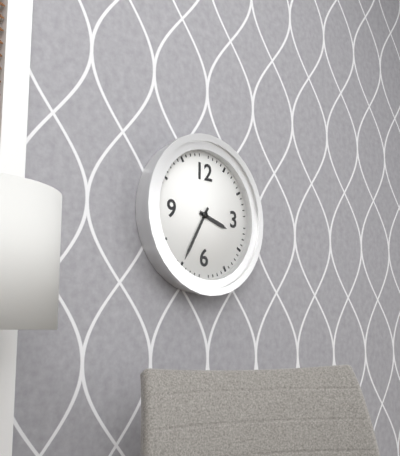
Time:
3:35
